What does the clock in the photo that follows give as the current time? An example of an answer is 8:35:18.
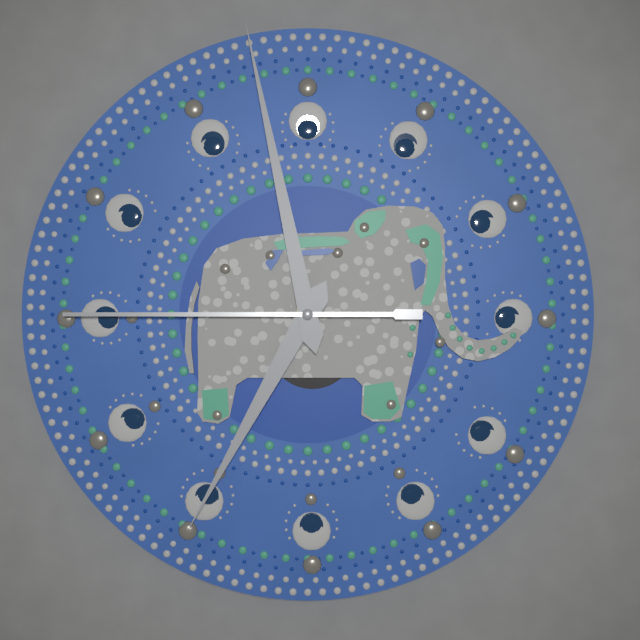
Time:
6:58:45
